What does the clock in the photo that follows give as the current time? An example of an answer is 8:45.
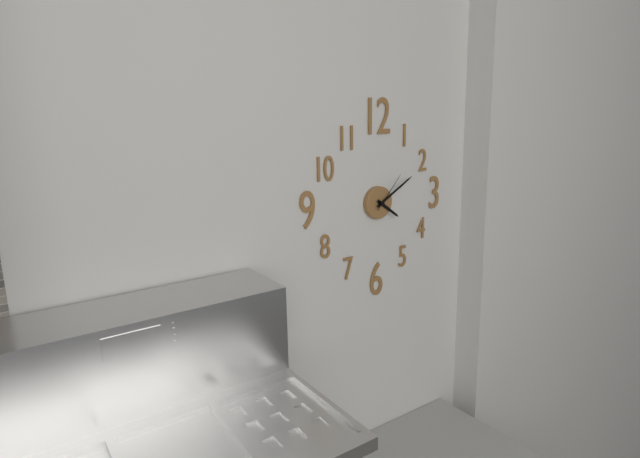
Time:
4:10
